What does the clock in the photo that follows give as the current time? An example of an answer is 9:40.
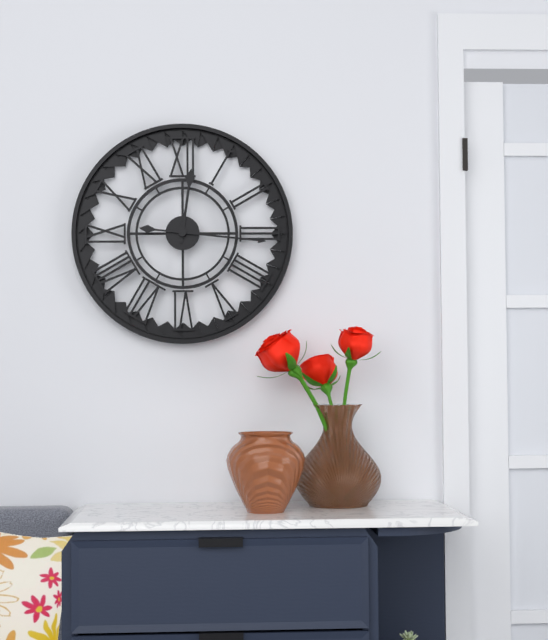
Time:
12:16
